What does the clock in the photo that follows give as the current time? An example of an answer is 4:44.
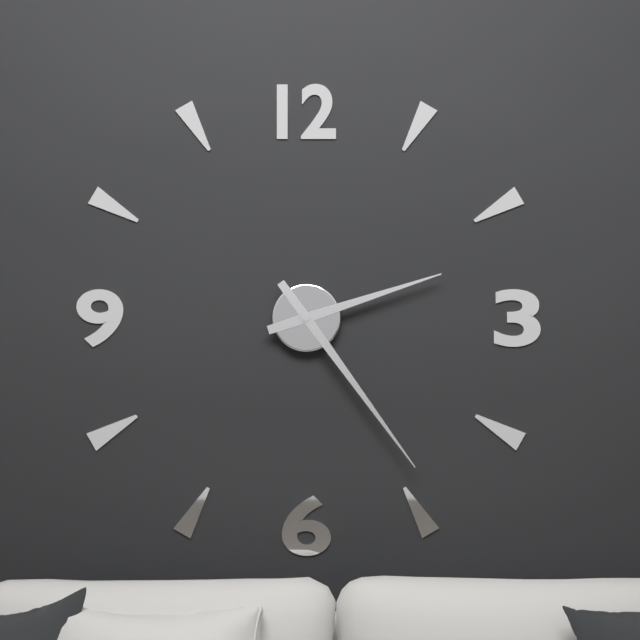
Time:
2:24
